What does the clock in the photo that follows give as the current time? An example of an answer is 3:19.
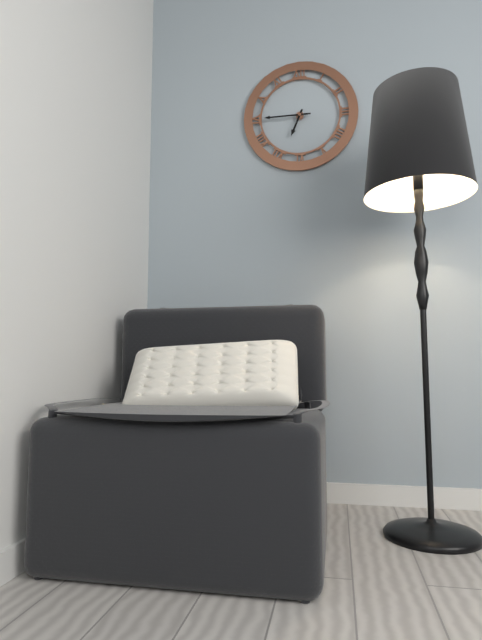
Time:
6:45
